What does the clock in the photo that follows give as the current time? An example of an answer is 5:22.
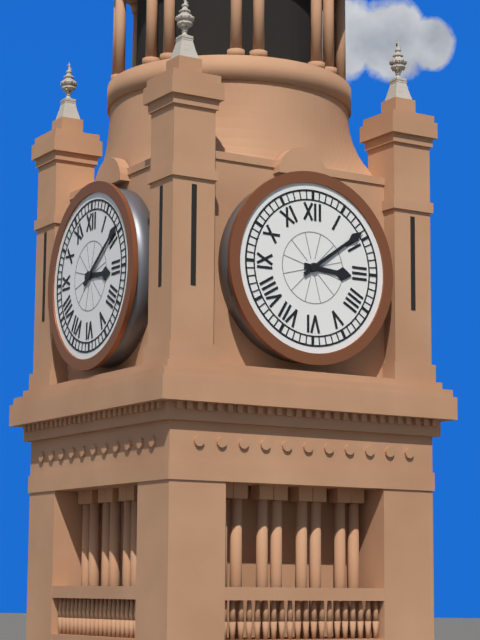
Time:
3:09
